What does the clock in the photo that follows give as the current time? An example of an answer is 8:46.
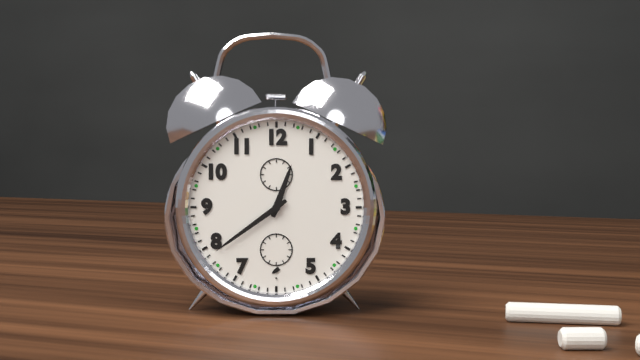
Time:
12:39
